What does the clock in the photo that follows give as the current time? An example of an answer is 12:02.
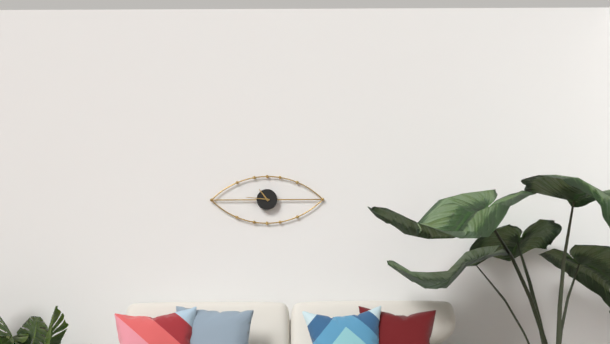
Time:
10:46
